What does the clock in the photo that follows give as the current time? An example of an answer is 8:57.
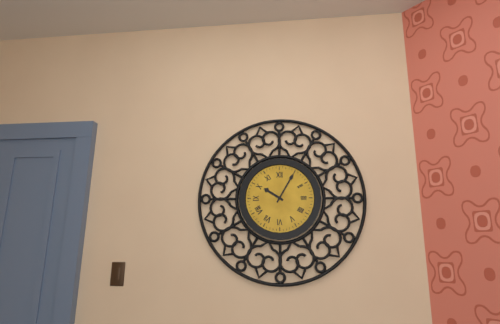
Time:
10:05
